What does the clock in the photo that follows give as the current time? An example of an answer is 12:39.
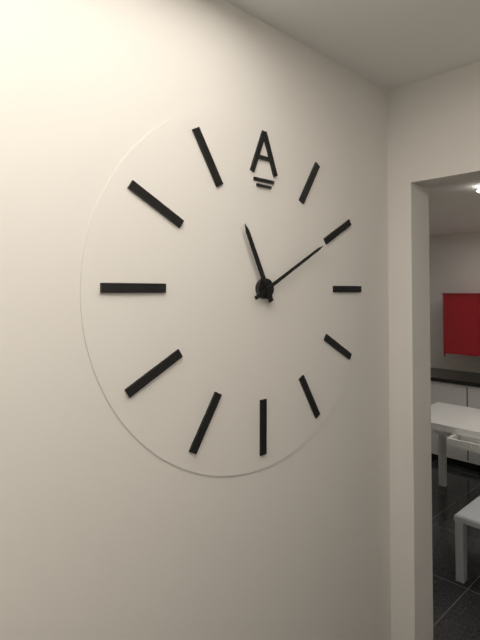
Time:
11:10
